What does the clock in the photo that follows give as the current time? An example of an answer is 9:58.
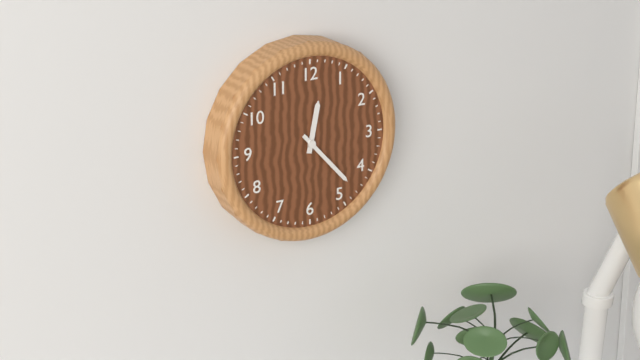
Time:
12:23
